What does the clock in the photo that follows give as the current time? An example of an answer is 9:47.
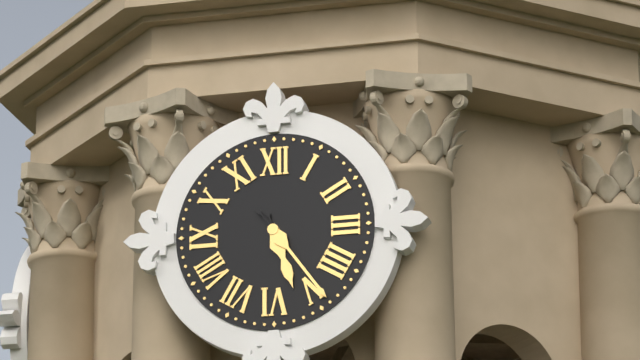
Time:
5:24
